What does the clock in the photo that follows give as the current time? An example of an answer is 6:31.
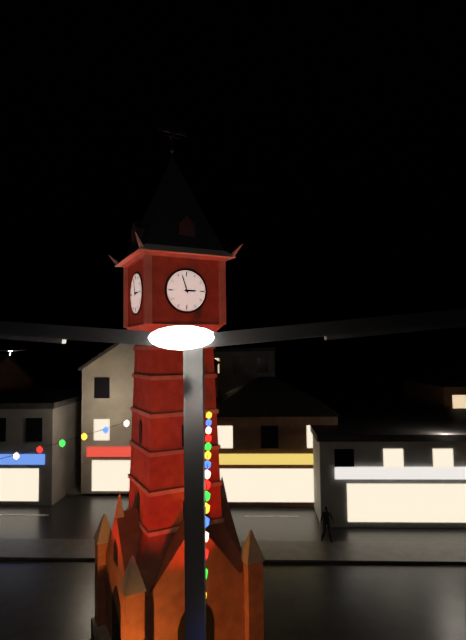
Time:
2:57
